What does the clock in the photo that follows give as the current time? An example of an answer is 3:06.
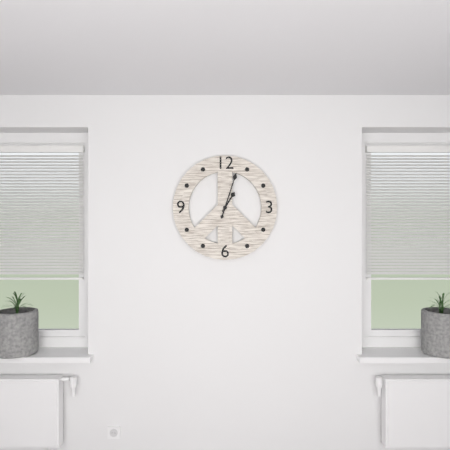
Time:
1:03
